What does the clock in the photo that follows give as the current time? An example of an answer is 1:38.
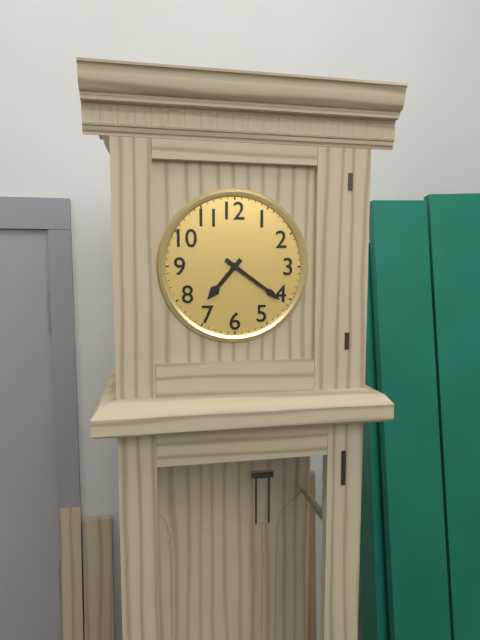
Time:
7:21
